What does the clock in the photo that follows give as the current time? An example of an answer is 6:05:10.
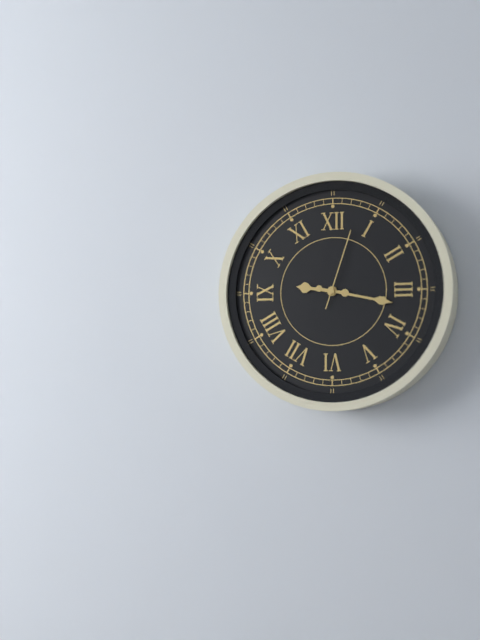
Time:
9:17:03
